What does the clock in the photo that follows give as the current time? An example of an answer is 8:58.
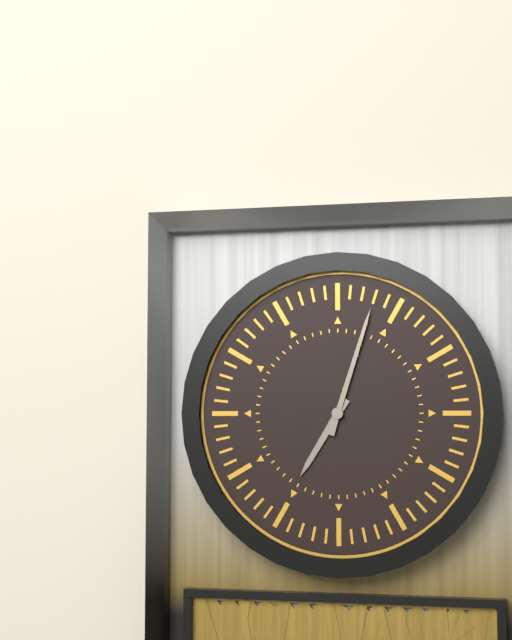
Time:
7:03
